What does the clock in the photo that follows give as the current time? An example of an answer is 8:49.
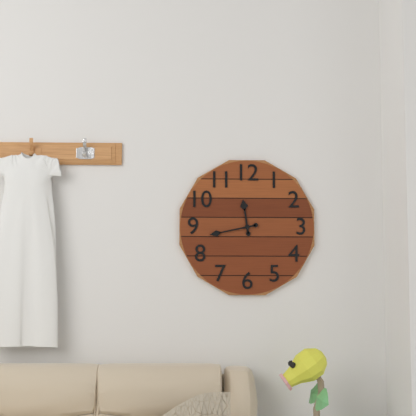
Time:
11:43
